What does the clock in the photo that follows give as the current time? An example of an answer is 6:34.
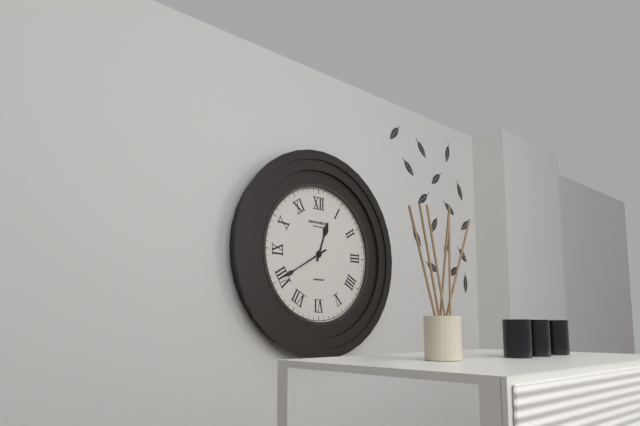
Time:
12:40
